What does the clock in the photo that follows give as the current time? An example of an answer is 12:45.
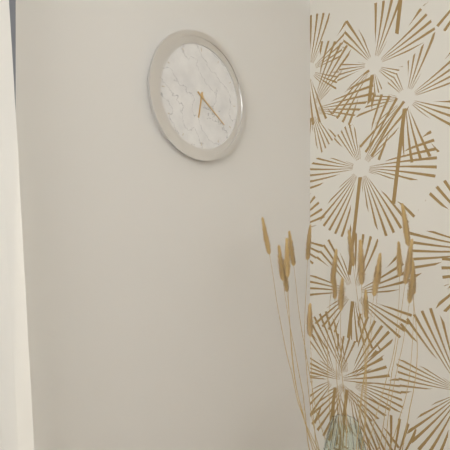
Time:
6:21
